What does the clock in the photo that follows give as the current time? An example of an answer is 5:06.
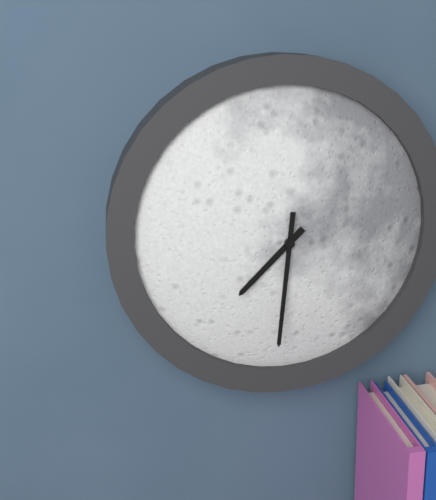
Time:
7:31
